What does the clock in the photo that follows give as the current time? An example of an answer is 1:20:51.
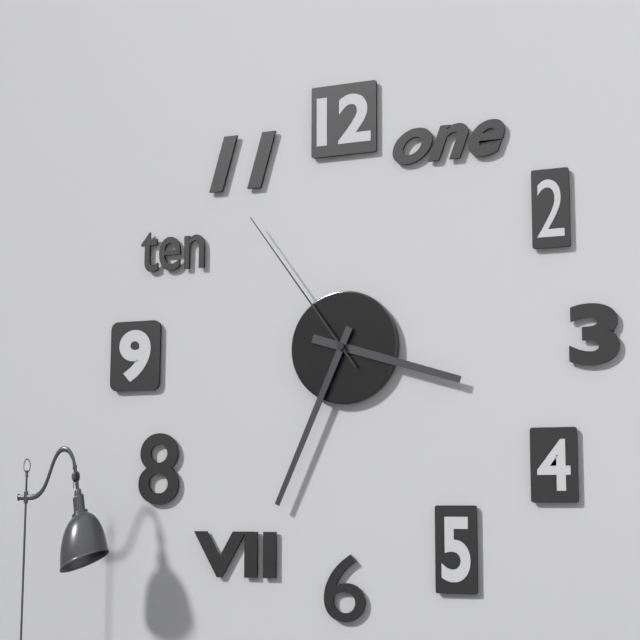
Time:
3:34:54
